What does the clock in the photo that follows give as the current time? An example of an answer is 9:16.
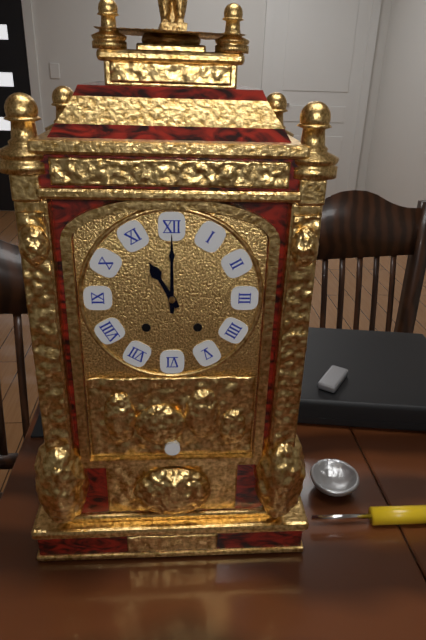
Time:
11:00
